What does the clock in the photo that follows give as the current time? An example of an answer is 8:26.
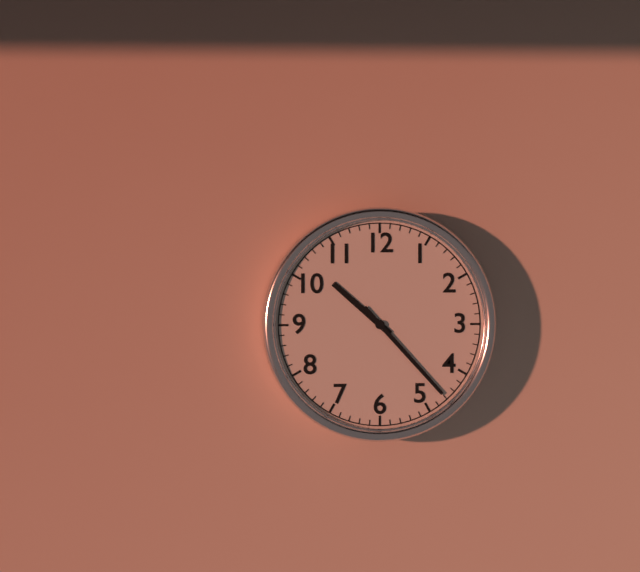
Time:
10:23
